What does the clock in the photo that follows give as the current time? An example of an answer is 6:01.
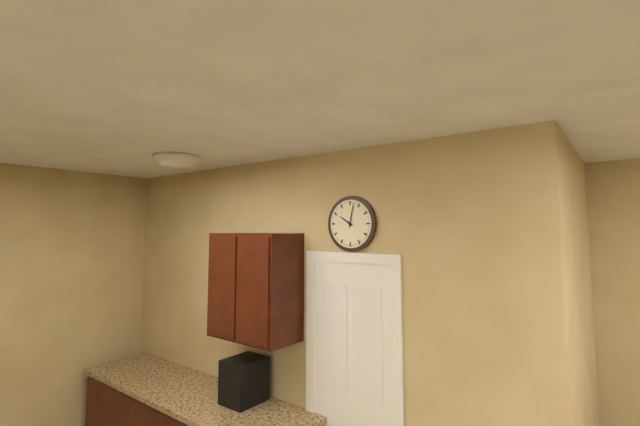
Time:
10:02
